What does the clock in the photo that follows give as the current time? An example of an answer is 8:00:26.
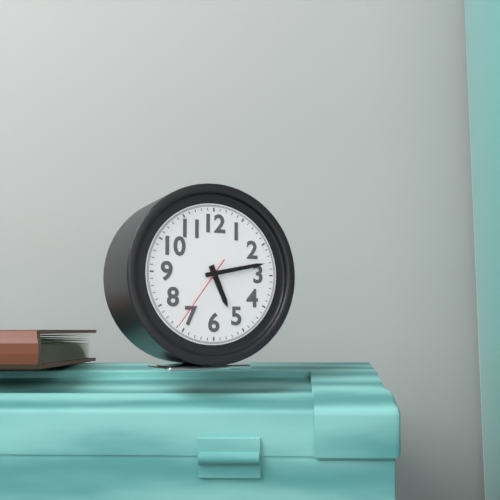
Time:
5:13:36
